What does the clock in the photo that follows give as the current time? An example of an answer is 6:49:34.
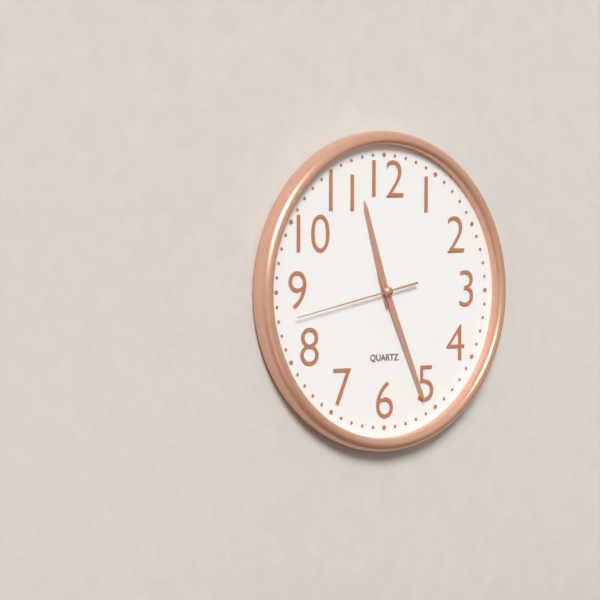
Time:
11:26:43
